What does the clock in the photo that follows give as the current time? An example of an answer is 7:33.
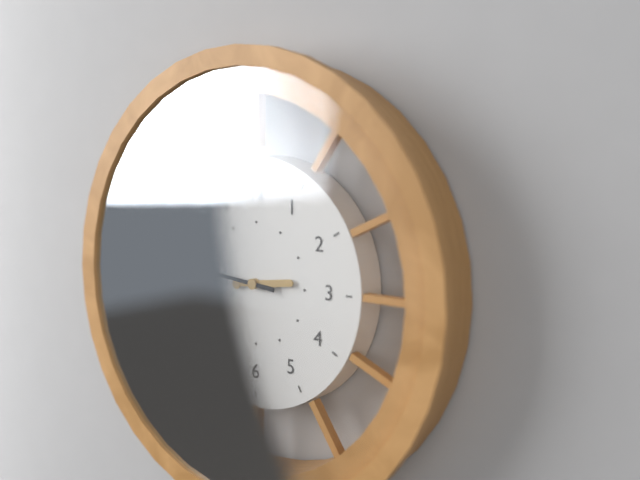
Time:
2:46
